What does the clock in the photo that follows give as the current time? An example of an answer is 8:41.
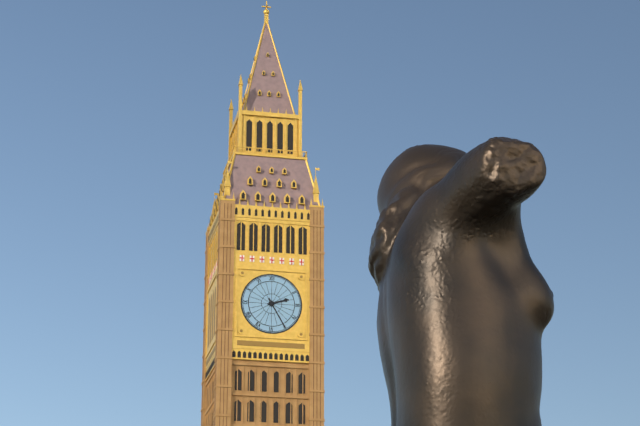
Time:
2:25
